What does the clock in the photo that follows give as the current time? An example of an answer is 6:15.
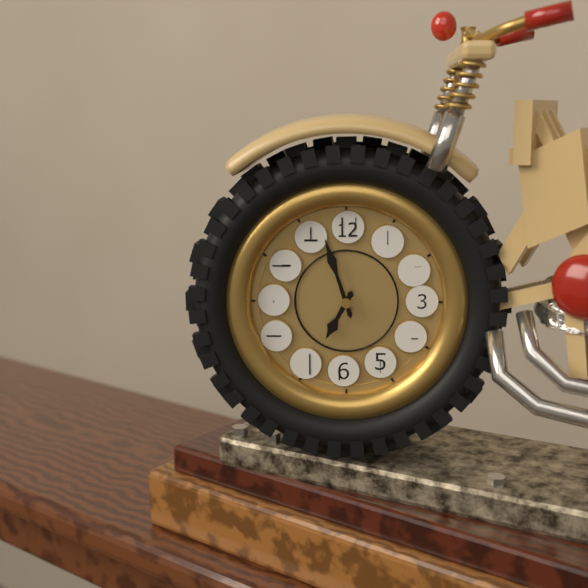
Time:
6:57
